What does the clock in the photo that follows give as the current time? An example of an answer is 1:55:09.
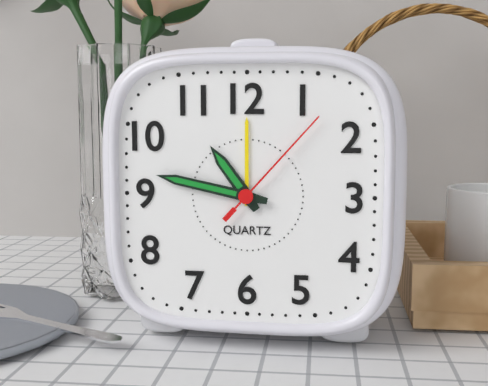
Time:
10:47:07
